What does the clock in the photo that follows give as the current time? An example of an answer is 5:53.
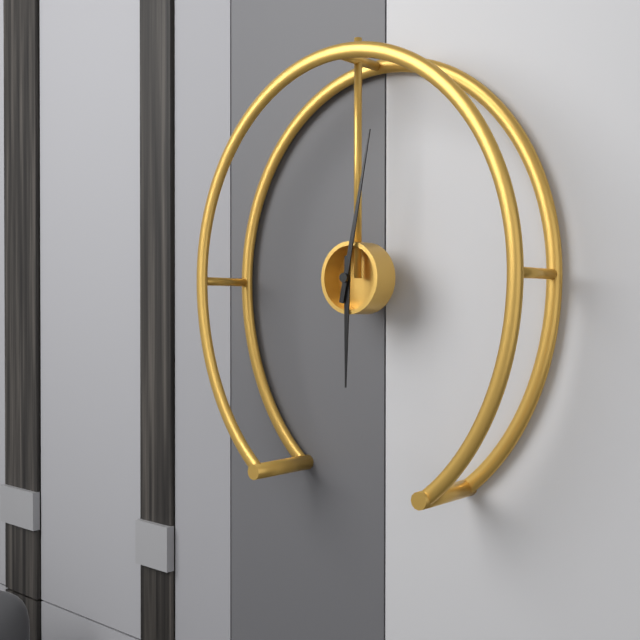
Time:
6:02
